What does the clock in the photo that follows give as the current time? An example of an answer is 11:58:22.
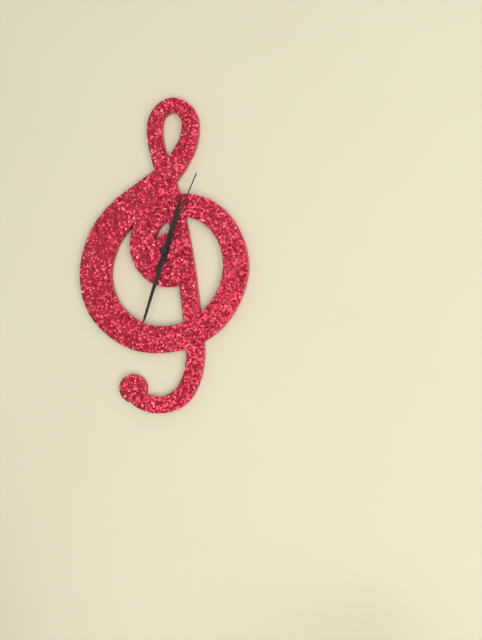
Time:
12:33:04
